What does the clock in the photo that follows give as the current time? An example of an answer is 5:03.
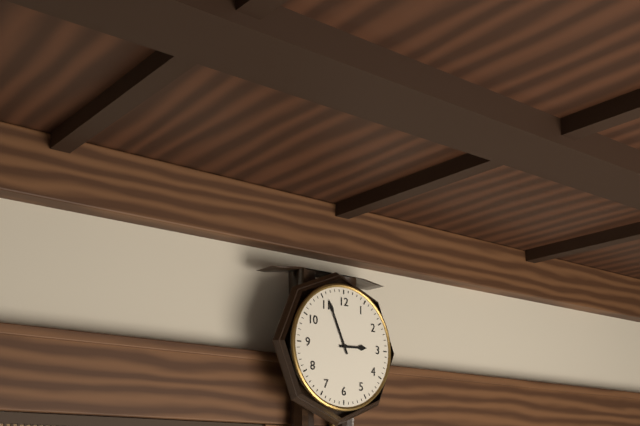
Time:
2:56
